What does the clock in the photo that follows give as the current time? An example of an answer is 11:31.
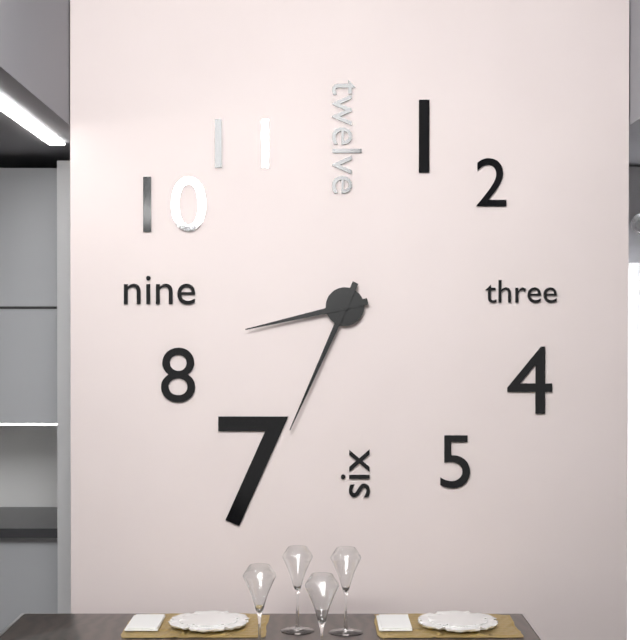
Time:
8:34
